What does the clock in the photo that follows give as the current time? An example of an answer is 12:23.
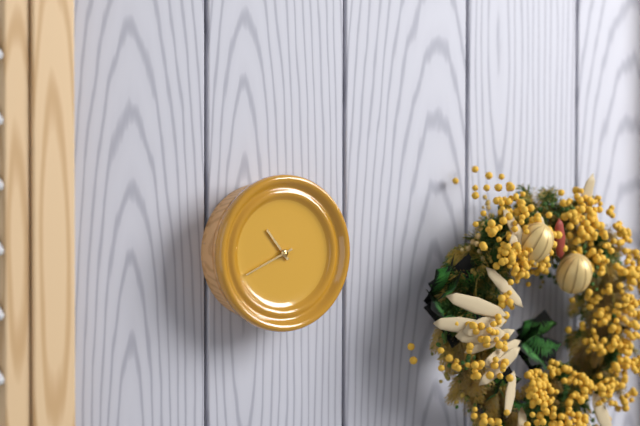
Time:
10:41
